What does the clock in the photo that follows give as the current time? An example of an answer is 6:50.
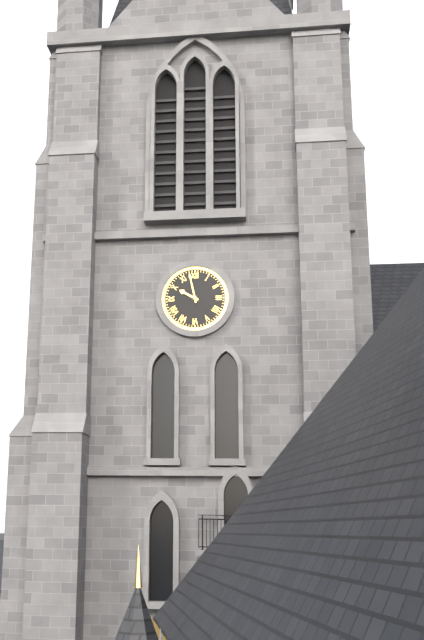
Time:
9:58
